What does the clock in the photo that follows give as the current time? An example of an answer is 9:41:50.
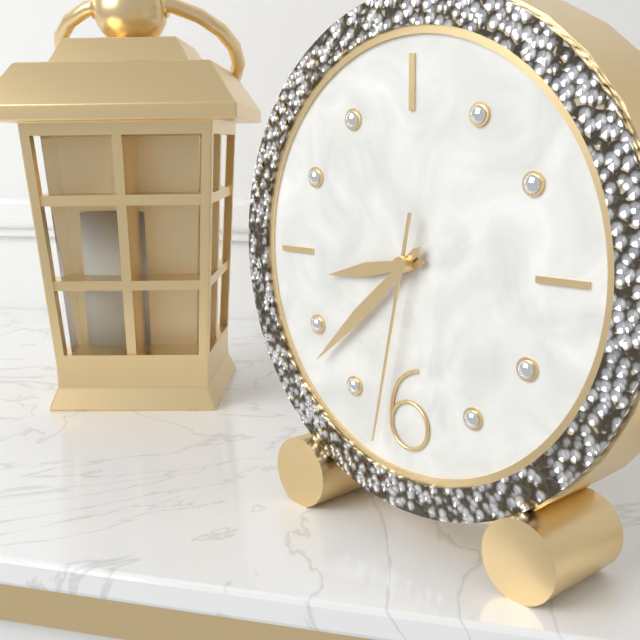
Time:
8:38:32
